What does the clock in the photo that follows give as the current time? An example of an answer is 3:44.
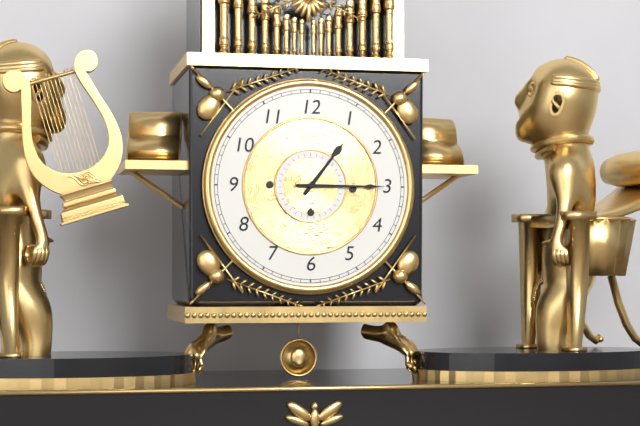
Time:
1:15
